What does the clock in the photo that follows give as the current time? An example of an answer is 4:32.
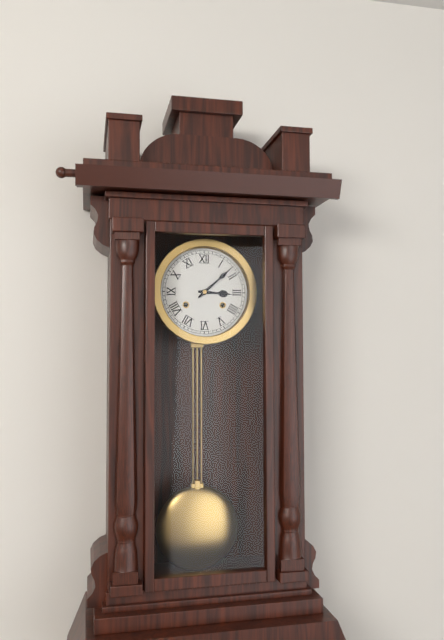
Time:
3:08
